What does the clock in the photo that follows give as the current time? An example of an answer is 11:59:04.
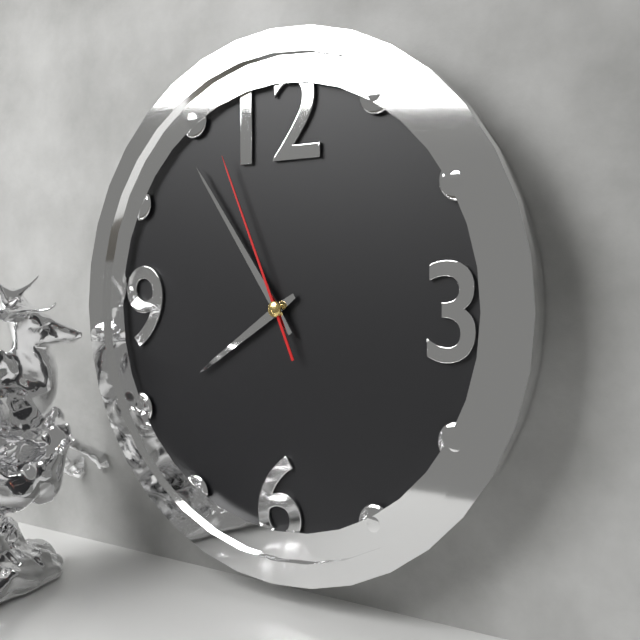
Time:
7:54:56
